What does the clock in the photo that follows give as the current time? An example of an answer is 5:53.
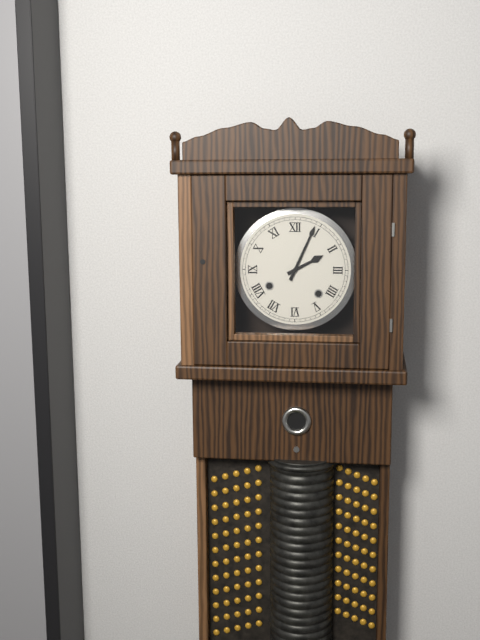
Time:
2:04
